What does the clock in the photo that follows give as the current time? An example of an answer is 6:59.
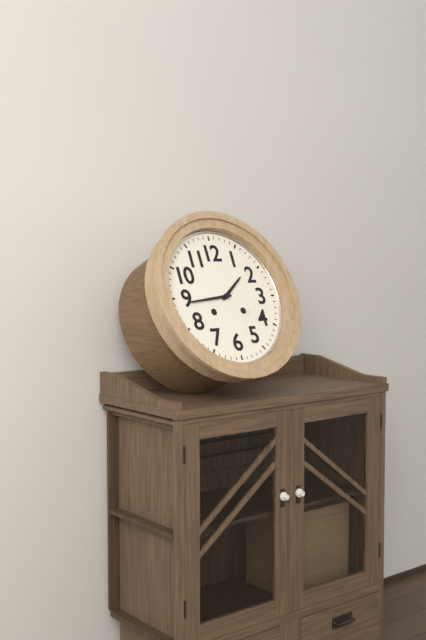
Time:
1:44
